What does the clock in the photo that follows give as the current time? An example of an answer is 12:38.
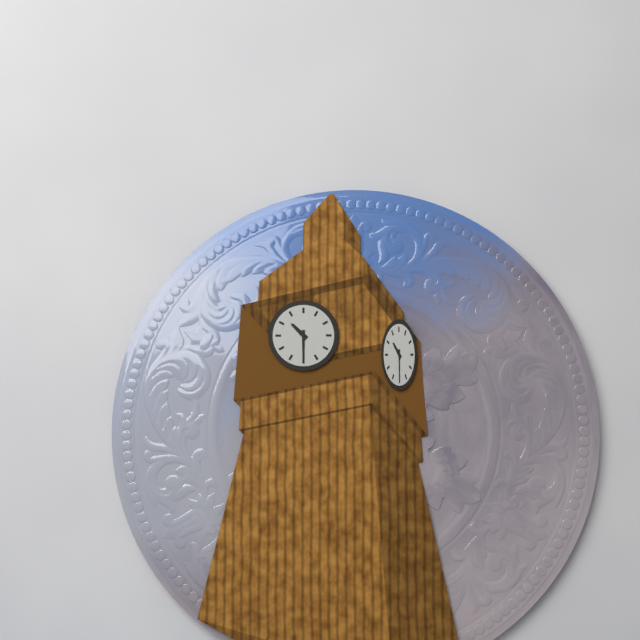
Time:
10:30
